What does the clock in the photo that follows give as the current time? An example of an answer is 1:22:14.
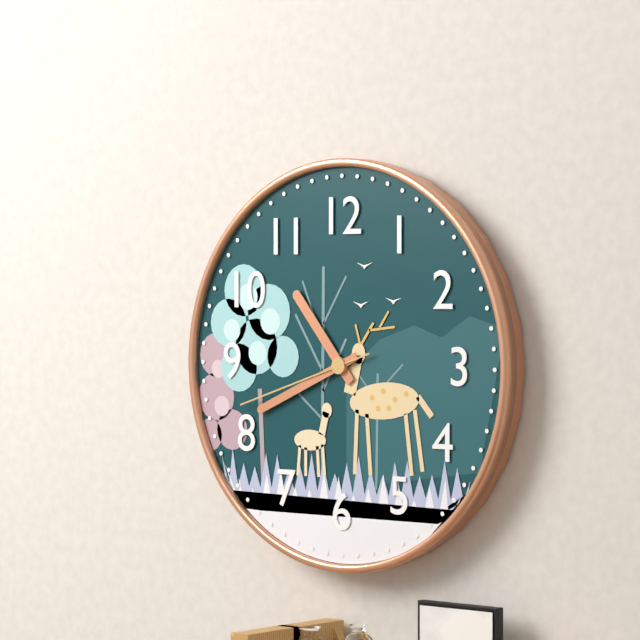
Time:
10:41:42
